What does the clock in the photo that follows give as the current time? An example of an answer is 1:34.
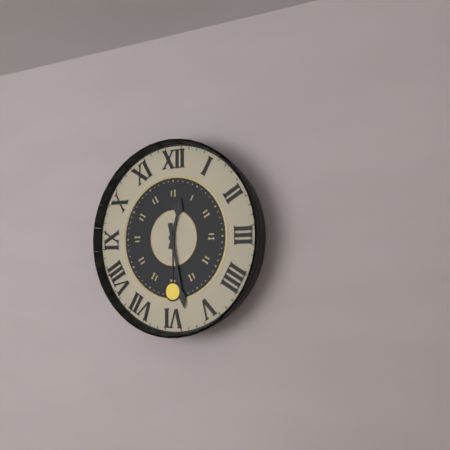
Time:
12:28
